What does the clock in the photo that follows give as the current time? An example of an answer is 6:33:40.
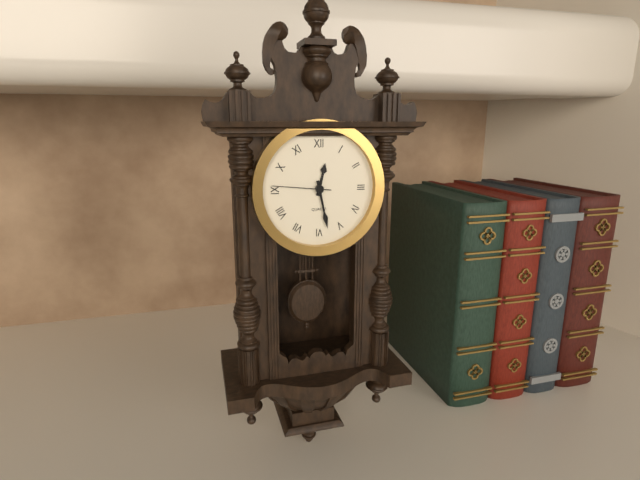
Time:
12:28:46
